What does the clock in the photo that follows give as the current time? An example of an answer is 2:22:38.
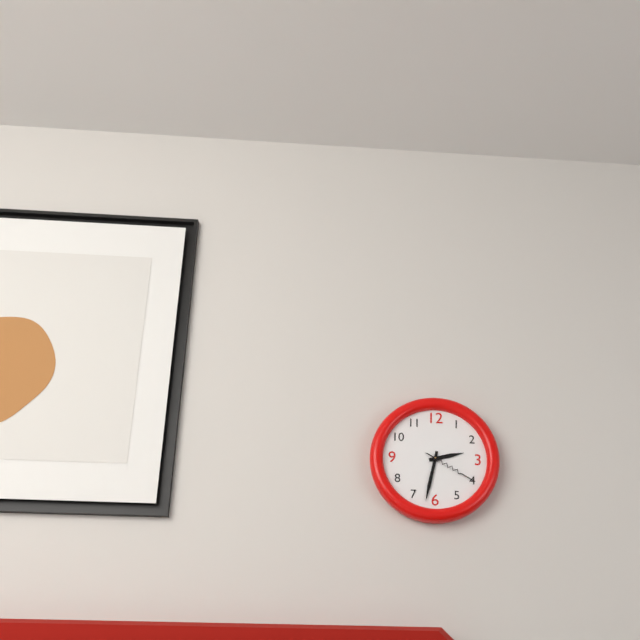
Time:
2:32:20
